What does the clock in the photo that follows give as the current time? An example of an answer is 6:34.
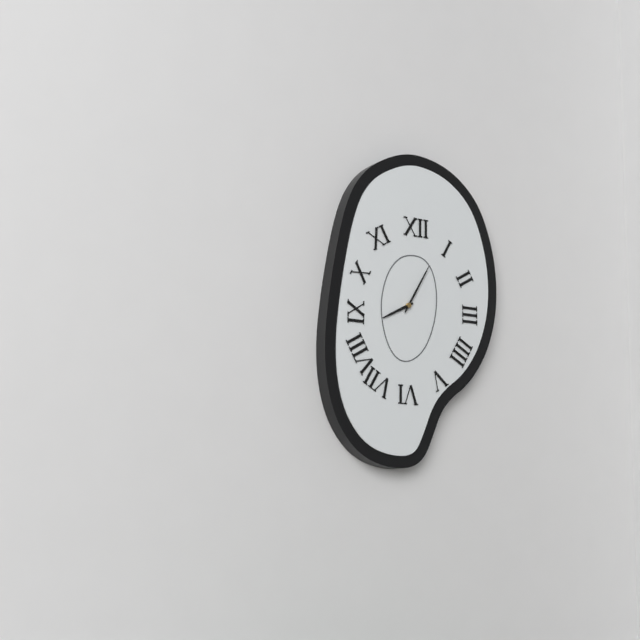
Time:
8:05
